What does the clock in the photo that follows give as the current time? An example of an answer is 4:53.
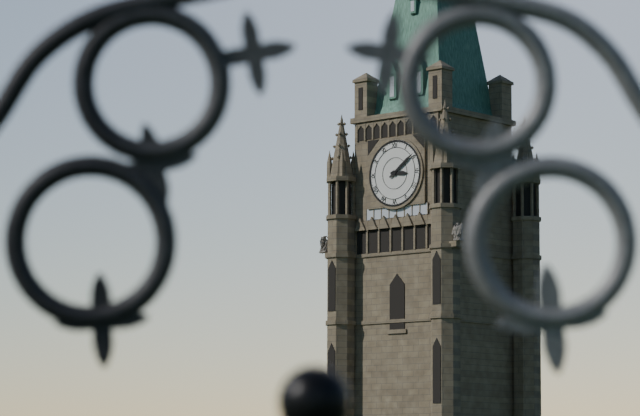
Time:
3:09
